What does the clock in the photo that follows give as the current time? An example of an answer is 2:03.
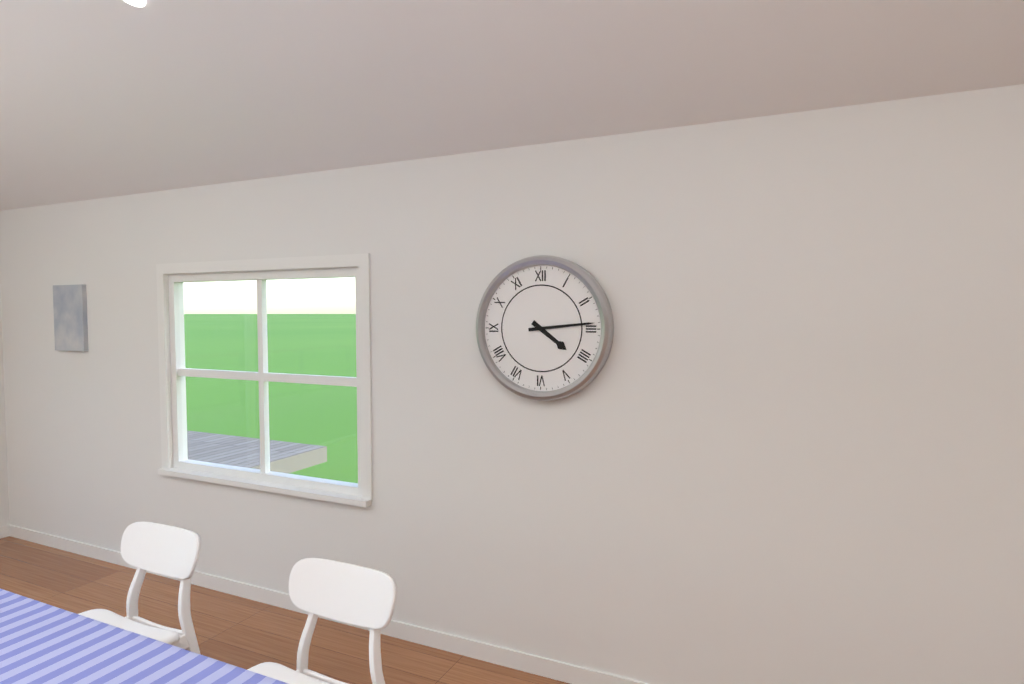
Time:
4:14
